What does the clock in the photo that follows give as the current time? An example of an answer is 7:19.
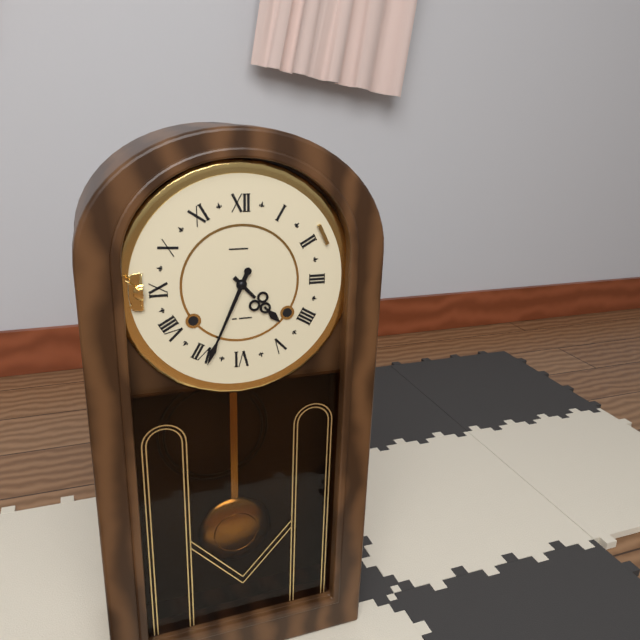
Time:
4:34
